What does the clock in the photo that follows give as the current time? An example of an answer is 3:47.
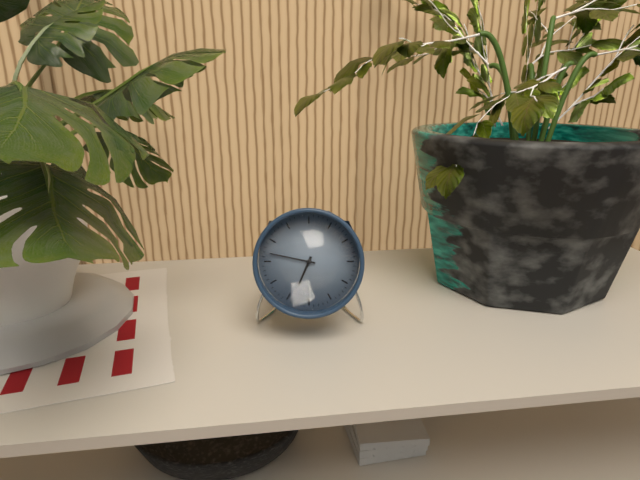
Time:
6:47
